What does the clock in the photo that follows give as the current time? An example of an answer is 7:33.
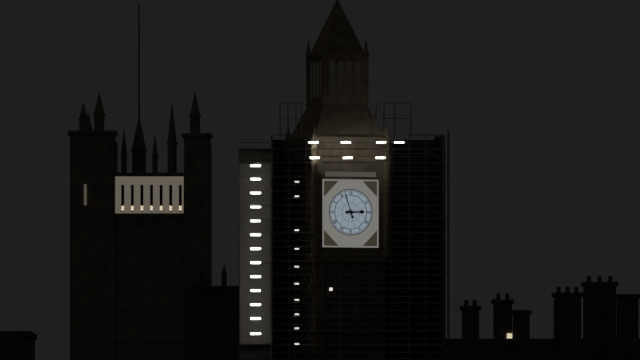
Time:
2:57
